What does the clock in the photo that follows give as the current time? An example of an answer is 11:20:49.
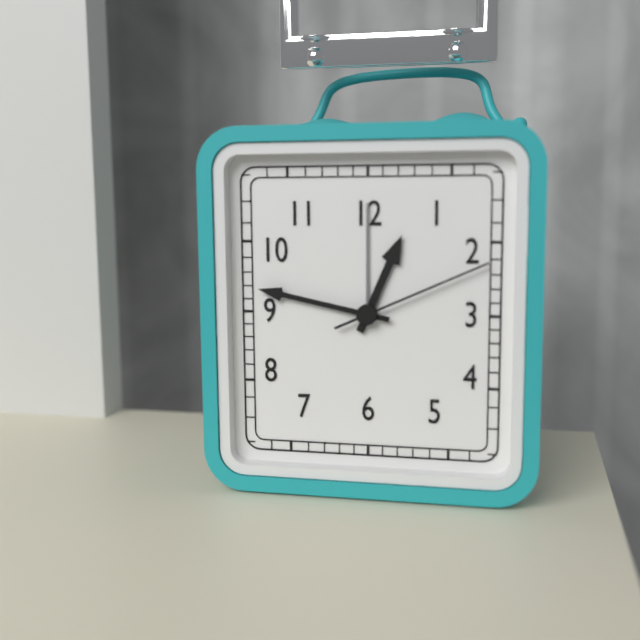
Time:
12:47:11
